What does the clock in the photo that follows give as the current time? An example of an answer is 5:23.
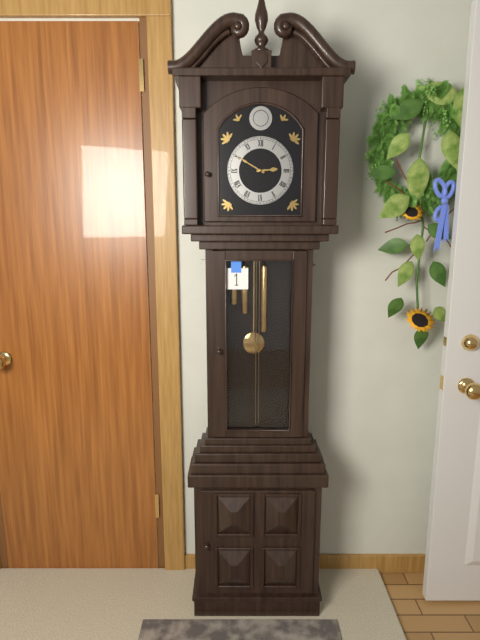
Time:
2:50
